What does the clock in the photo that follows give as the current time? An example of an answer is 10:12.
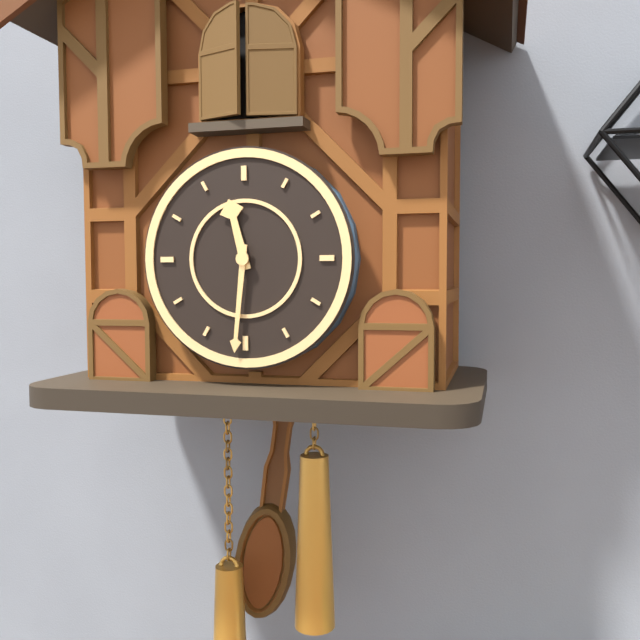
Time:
11:31
